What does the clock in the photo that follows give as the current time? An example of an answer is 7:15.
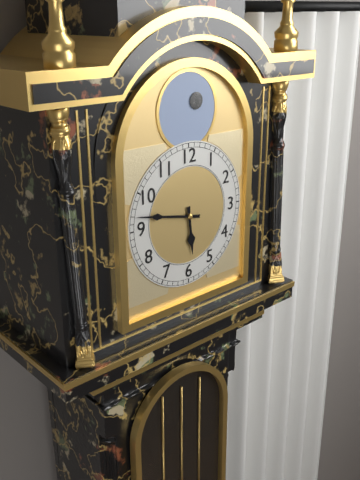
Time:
5:47
